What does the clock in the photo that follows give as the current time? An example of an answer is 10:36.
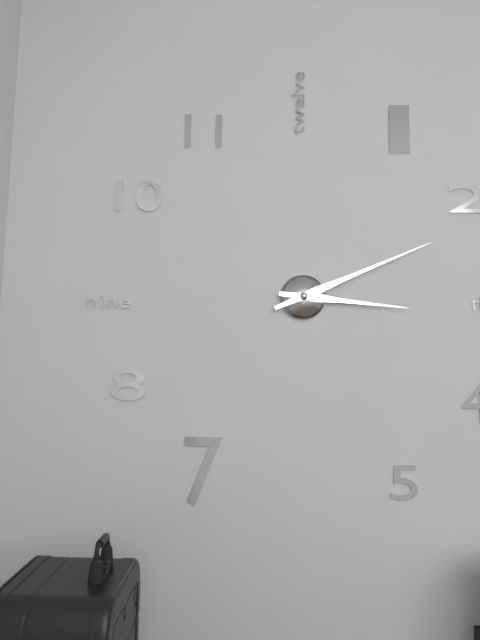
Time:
3:11
